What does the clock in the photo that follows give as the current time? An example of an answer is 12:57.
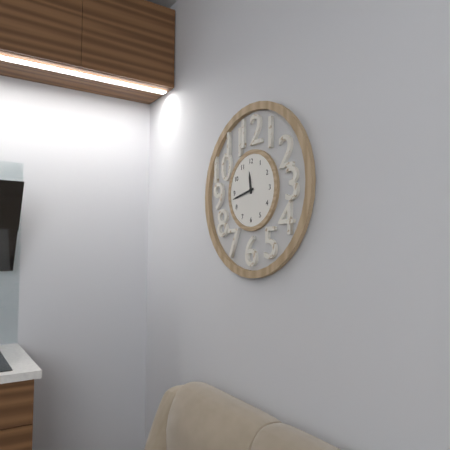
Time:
11:43
